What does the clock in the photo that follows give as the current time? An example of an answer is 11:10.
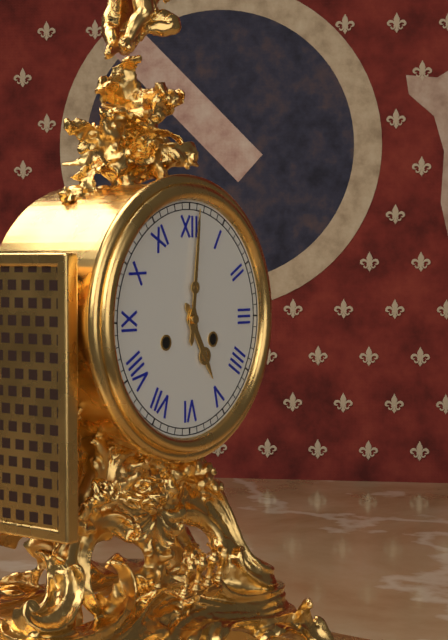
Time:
5:01
